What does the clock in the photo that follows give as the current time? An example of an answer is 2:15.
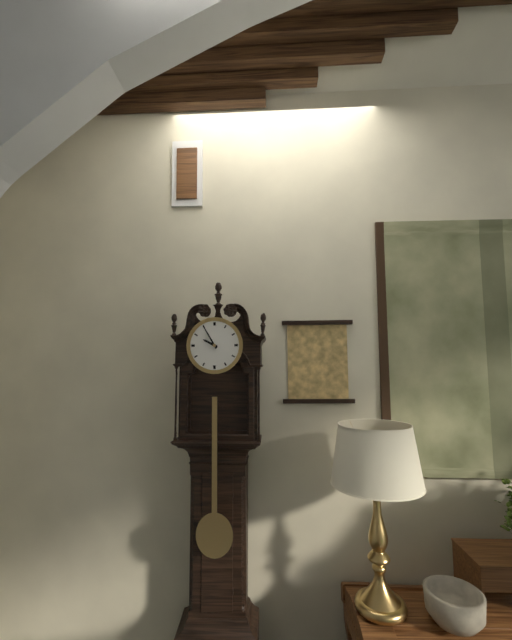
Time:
9:55
